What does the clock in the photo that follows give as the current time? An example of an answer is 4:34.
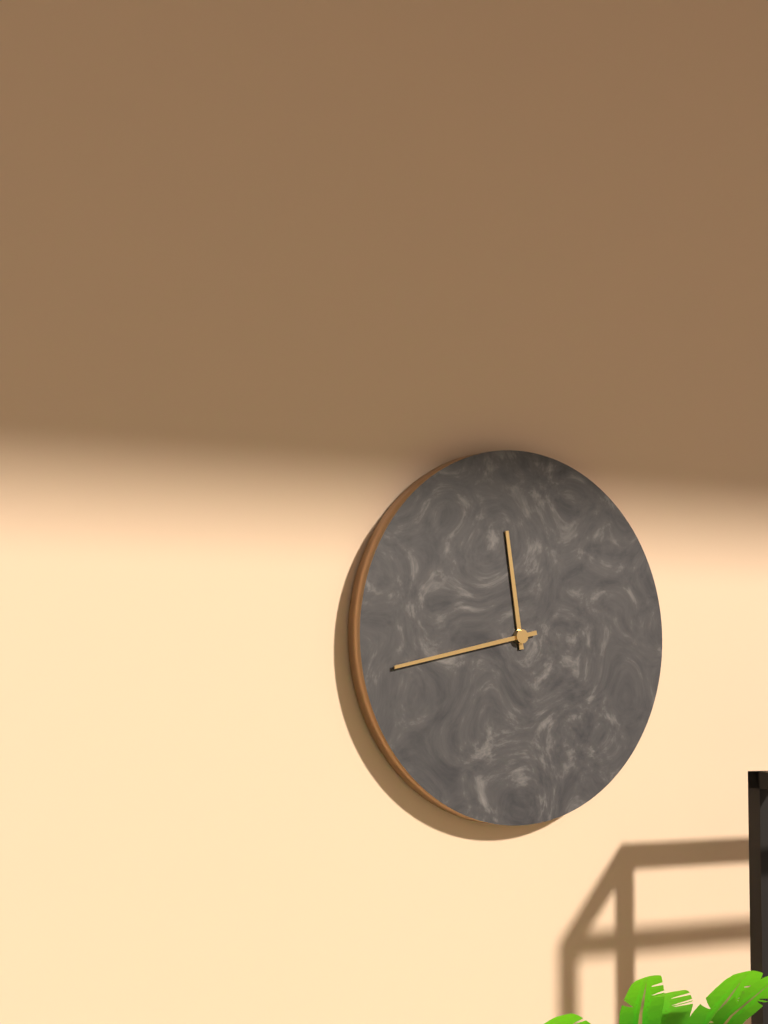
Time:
11:43
